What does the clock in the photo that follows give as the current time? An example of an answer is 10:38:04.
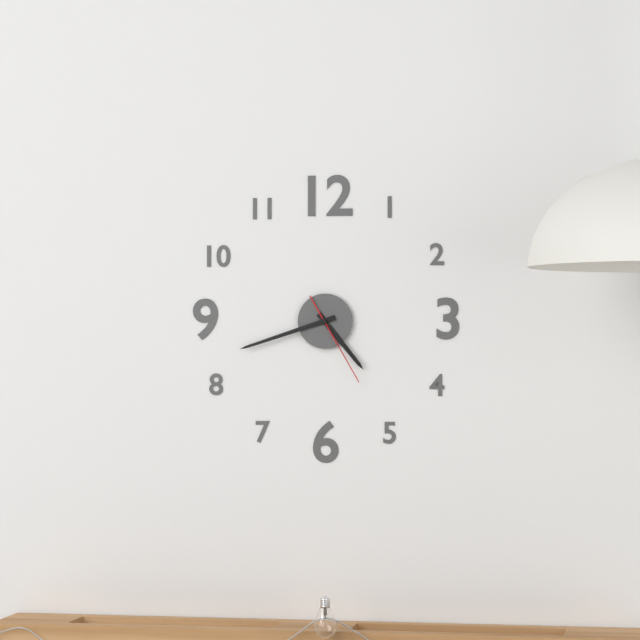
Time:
4:42:25
